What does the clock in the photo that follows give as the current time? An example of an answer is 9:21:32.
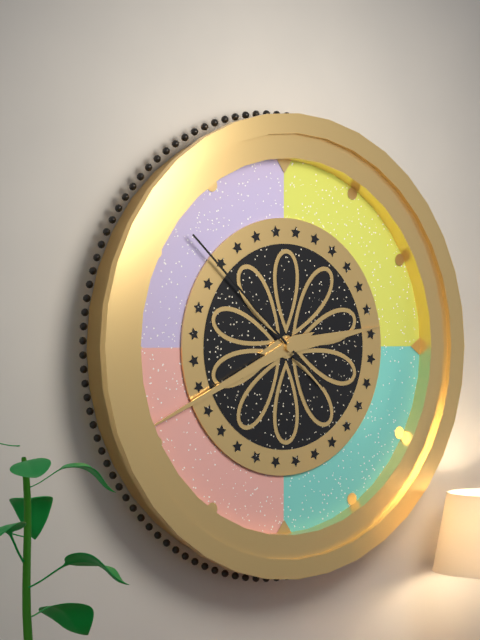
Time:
2:41:52
